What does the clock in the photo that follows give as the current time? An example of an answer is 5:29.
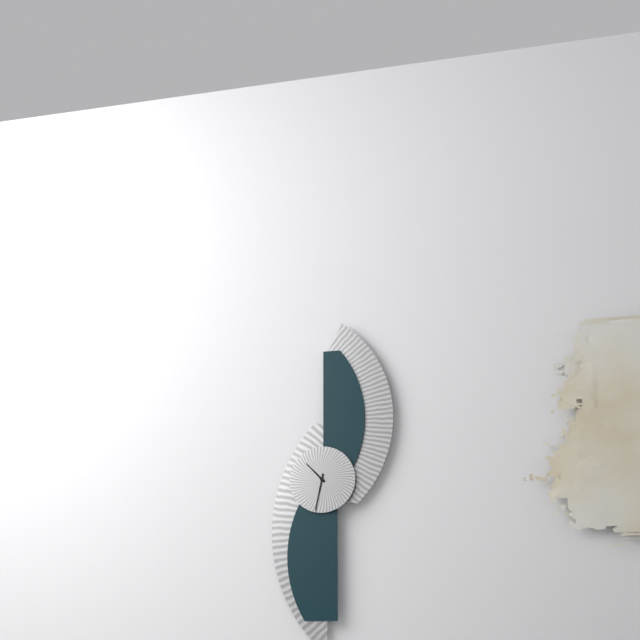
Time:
10:32
